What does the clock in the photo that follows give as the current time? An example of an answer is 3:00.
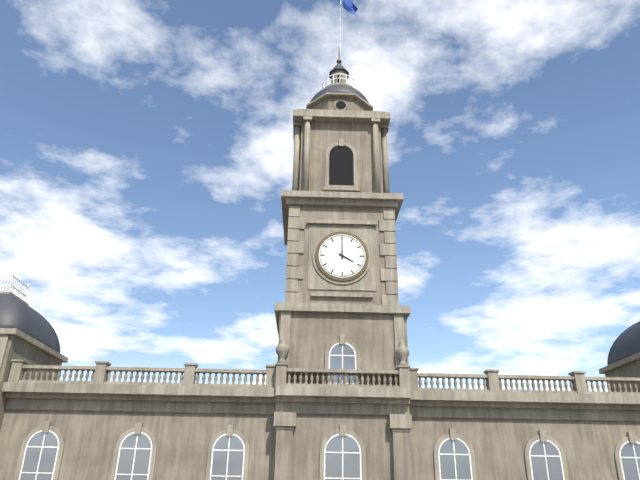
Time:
4:00
